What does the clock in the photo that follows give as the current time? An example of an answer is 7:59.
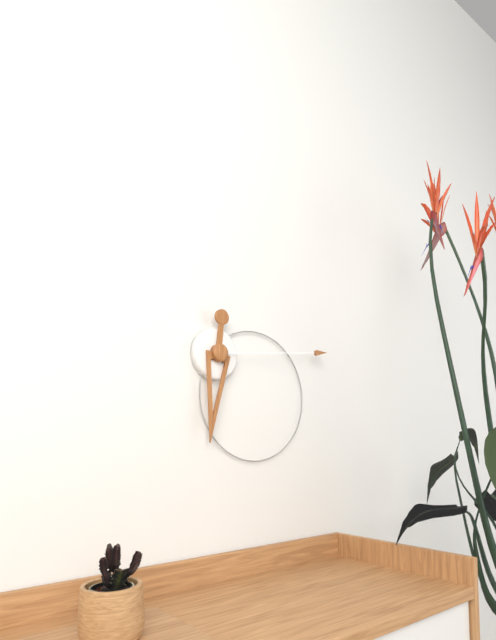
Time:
6:14
